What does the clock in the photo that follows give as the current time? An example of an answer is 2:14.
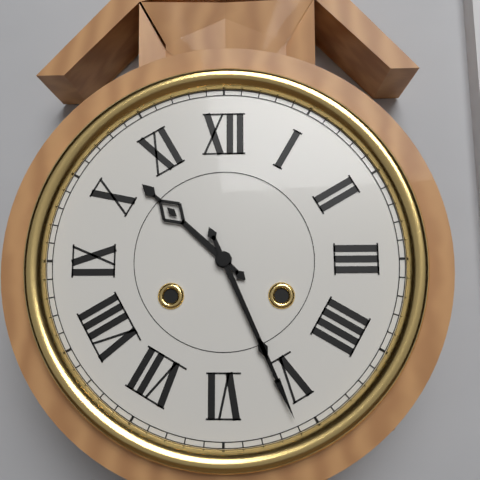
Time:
10:26
